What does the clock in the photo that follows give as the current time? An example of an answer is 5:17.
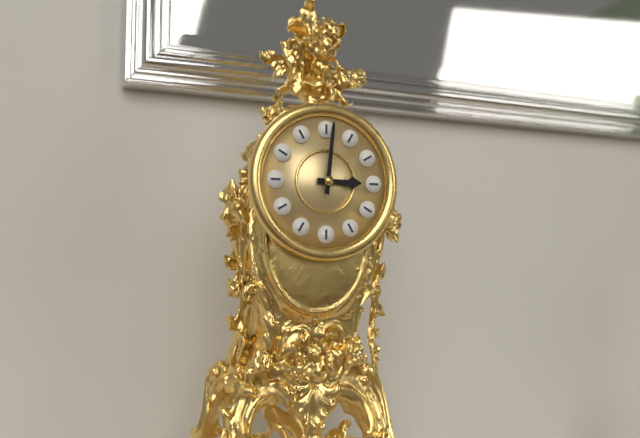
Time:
3:01
